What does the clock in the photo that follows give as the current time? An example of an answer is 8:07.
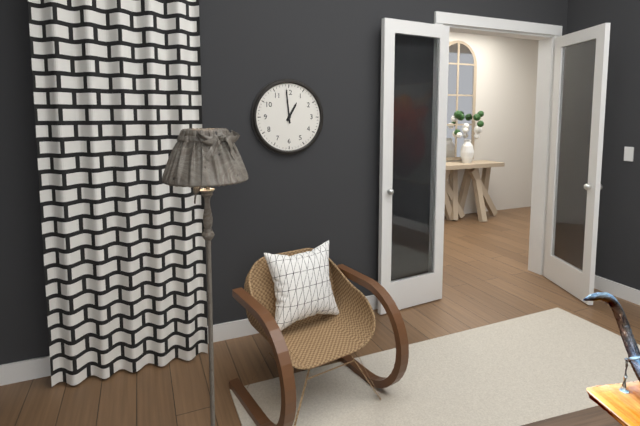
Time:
12:59
